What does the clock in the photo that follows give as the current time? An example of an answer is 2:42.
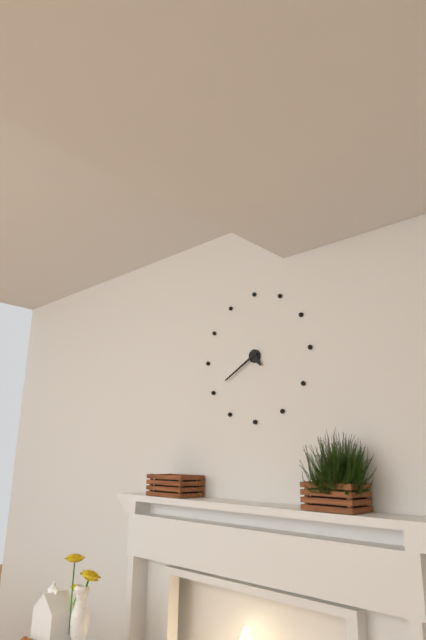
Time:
4:40
